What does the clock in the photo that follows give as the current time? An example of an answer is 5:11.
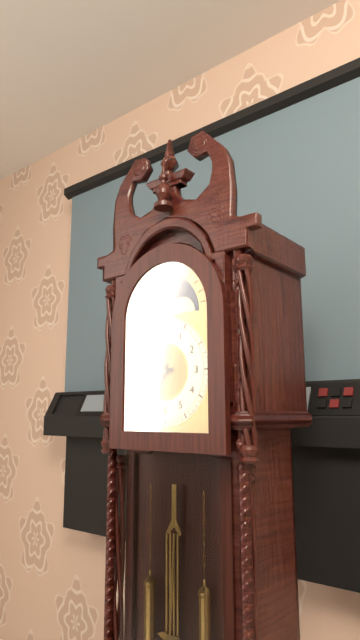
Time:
6:43
